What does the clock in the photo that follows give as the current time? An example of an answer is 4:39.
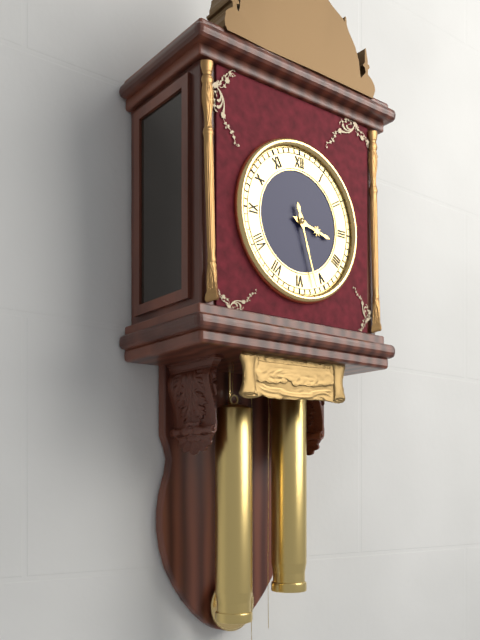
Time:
3:27
